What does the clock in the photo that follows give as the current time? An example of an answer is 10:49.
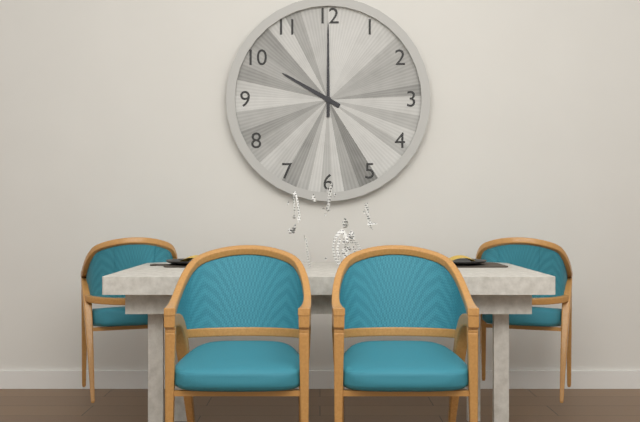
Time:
10:00
